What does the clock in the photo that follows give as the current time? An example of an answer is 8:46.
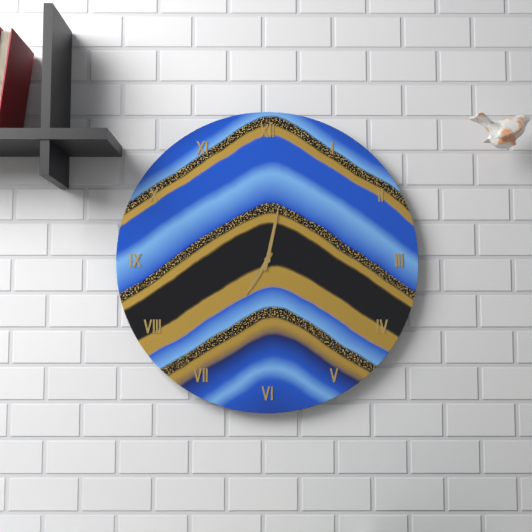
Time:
7:02
